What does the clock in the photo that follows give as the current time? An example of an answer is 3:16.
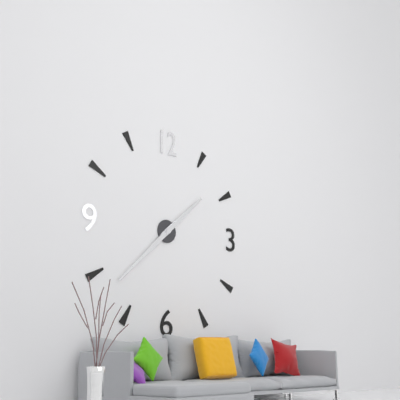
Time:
1:38
